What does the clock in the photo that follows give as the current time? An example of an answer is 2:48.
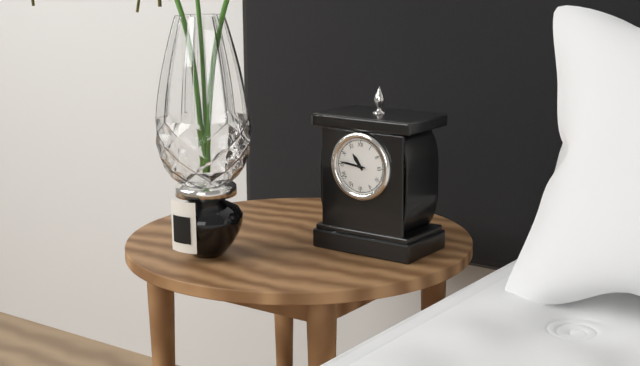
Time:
10:46
